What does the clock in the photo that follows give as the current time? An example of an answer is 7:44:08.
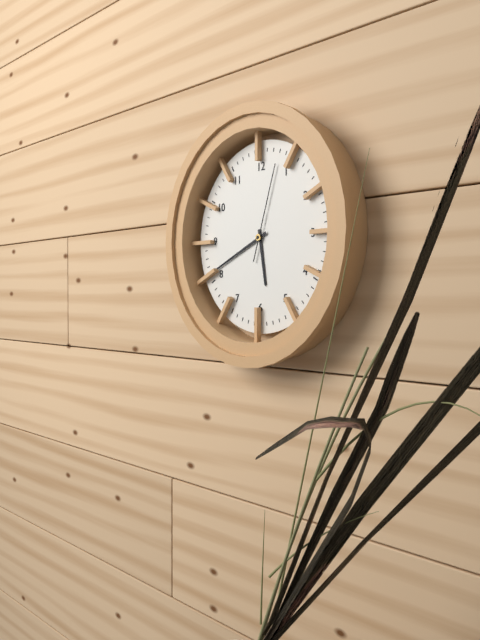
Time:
5:41:03
